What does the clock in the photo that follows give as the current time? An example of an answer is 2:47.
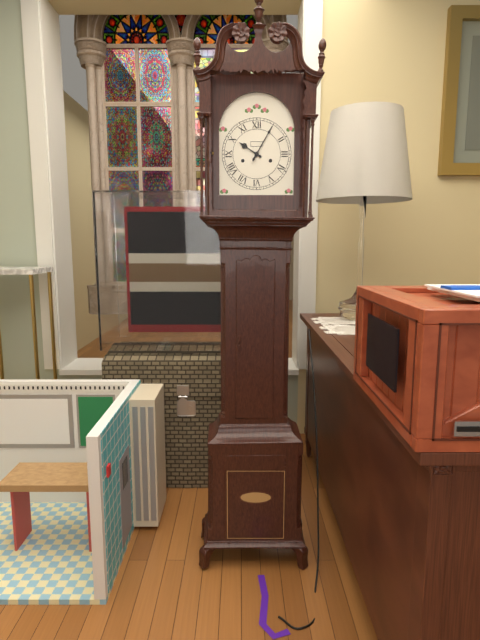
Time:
10:05
